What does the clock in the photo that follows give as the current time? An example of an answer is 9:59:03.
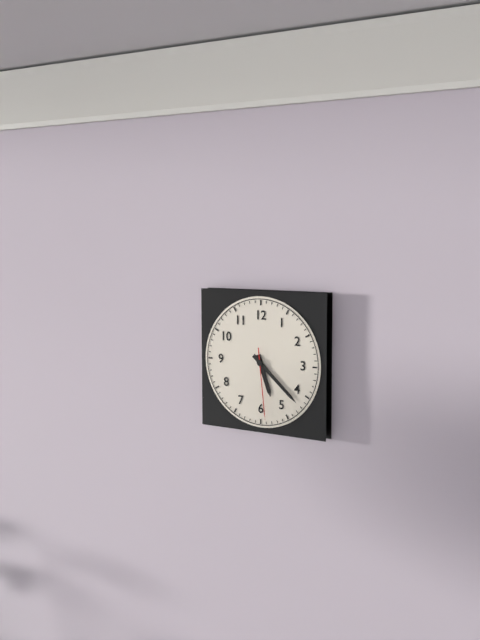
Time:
5:22:29
